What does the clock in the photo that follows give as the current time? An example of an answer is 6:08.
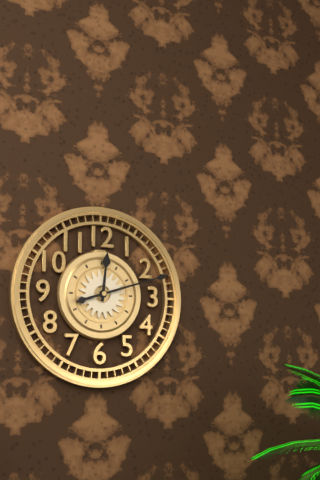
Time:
12:12
